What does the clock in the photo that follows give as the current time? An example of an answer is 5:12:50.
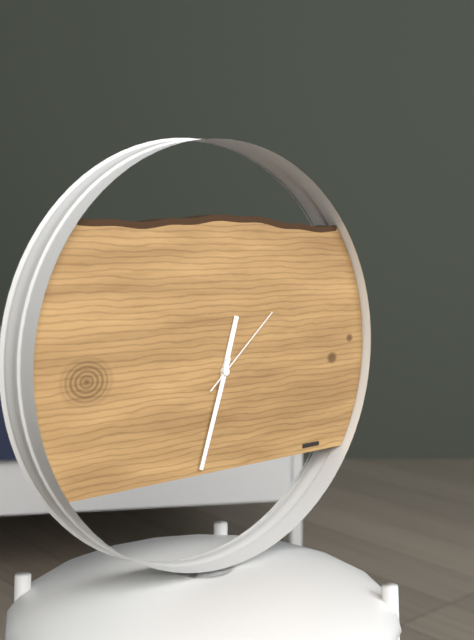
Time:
12:33:08
